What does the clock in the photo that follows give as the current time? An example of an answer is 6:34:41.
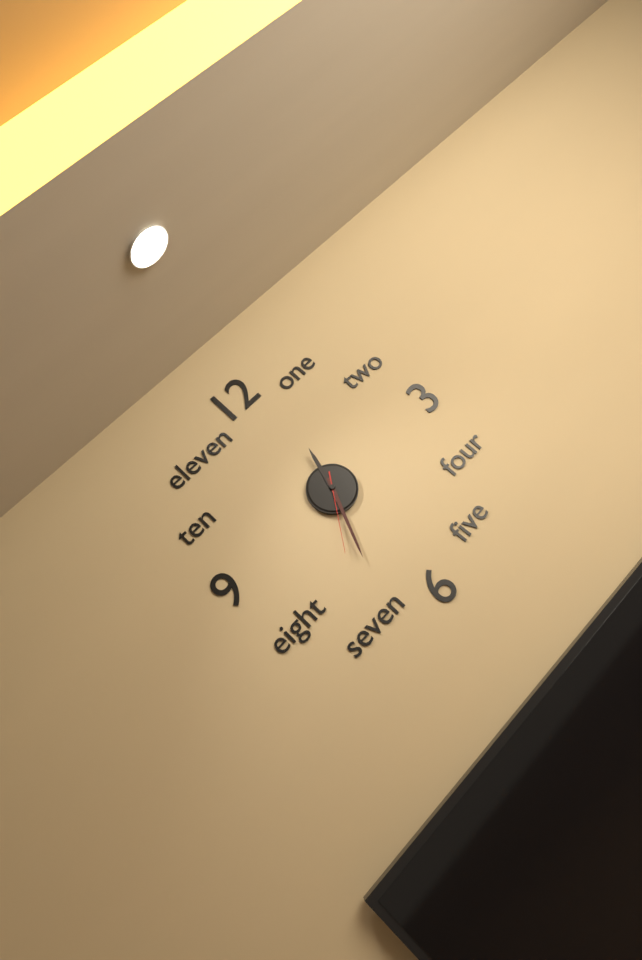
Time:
12:34:36
